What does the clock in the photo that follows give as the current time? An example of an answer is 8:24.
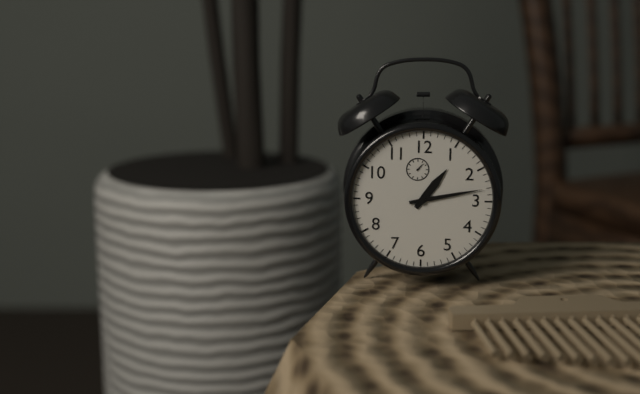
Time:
1:13
